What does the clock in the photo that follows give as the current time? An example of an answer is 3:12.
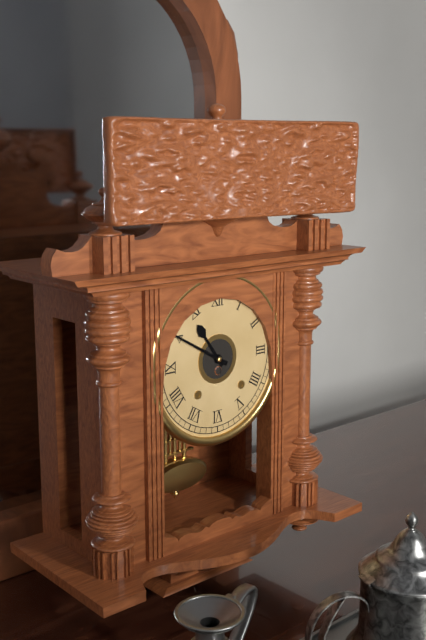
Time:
10:50
